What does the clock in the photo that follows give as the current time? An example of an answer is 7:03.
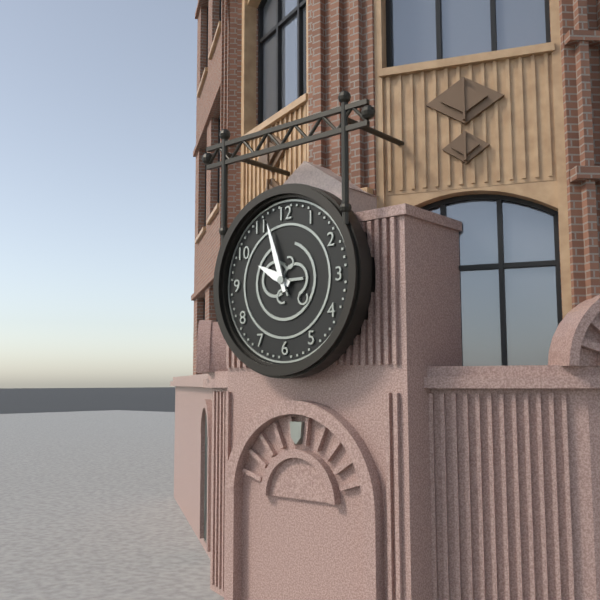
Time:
9:57
